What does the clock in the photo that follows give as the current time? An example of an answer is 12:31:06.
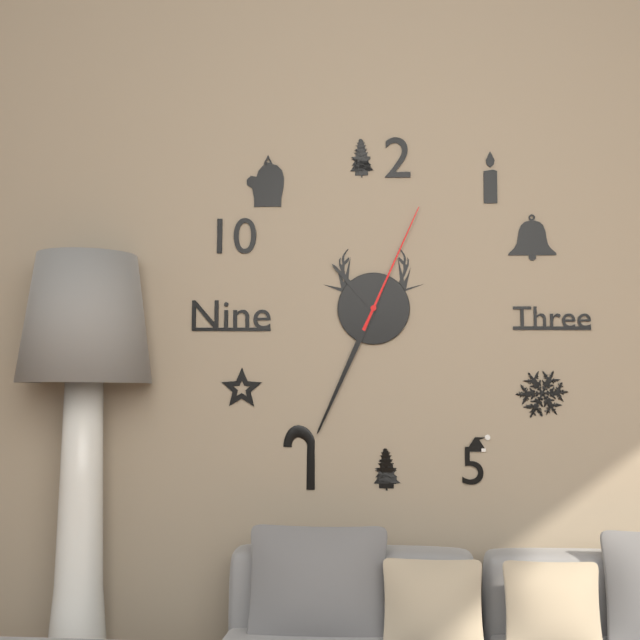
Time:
10:34:04
